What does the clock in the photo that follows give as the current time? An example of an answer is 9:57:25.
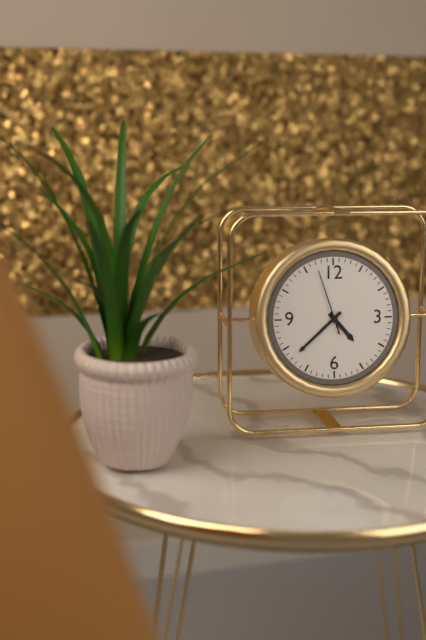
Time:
4:38:57
